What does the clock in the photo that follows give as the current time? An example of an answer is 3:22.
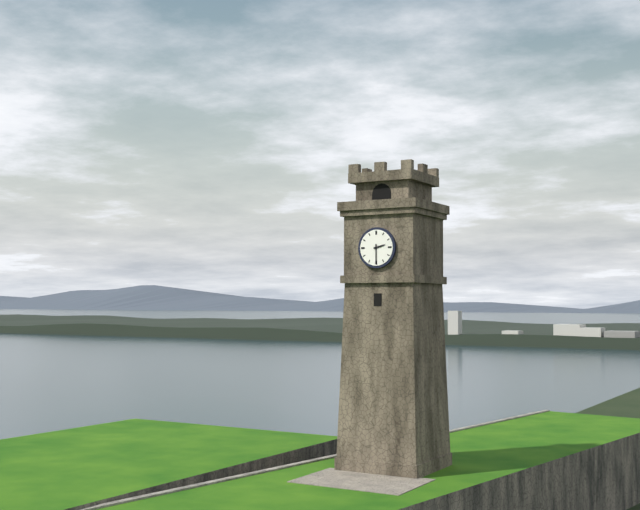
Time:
2:30
